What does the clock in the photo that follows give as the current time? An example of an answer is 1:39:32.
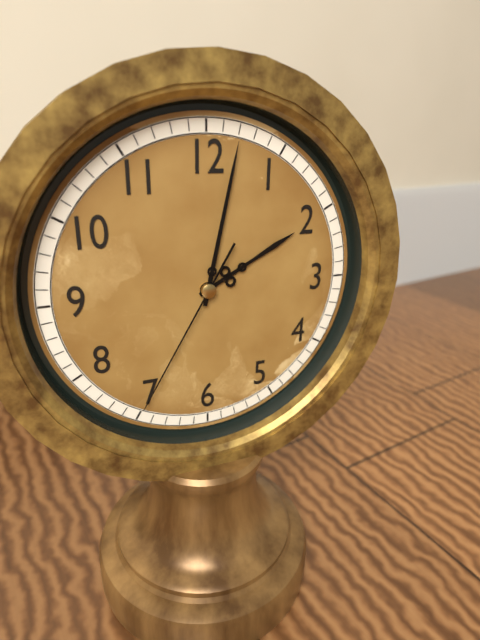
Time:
2:02:35
